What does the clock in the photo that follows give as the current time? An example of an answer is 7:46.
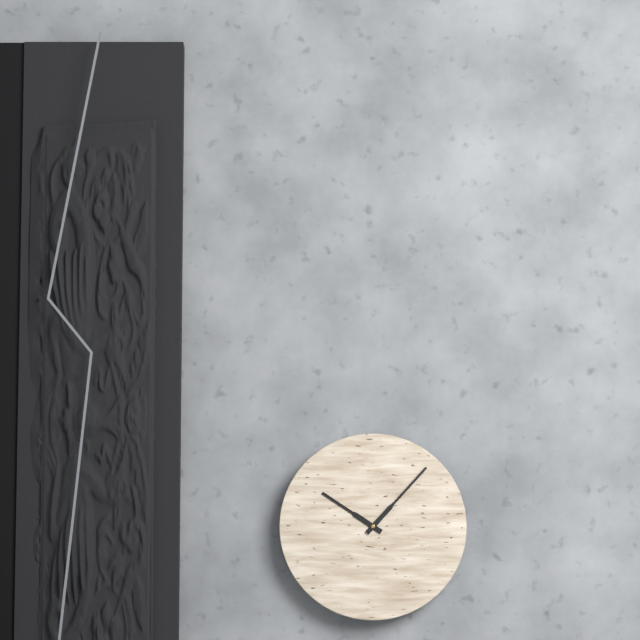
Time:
10:07
